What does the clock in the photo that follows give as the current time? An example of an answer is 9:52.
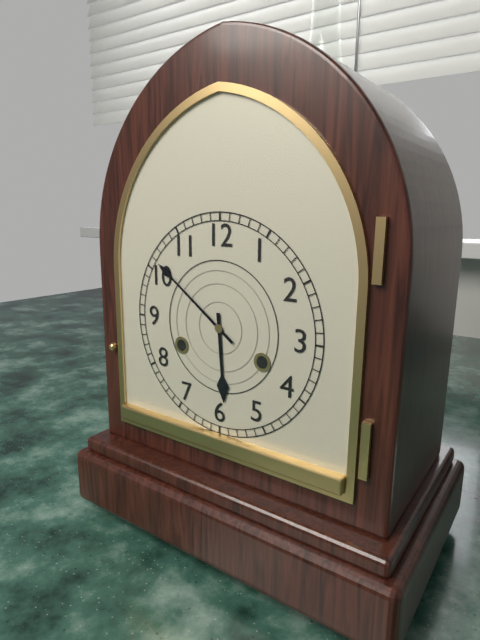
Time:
5:51
